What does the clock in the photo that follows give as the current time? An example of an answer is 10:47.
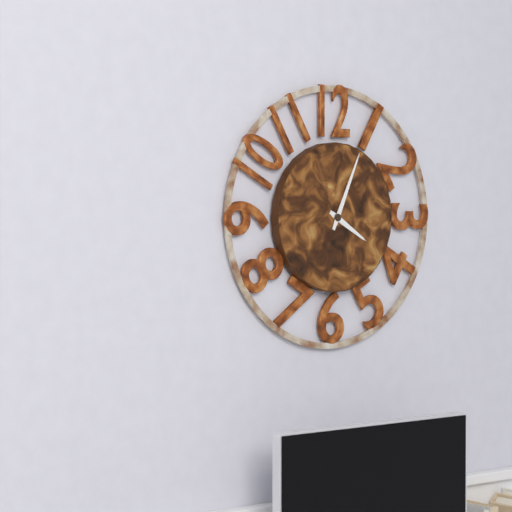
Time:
4:04
